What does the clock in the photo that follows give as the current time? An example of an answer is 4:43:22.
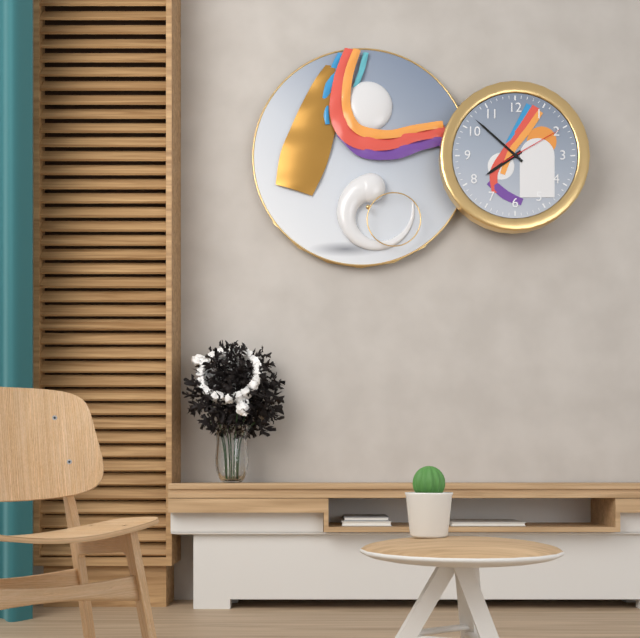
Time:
7:52:10
